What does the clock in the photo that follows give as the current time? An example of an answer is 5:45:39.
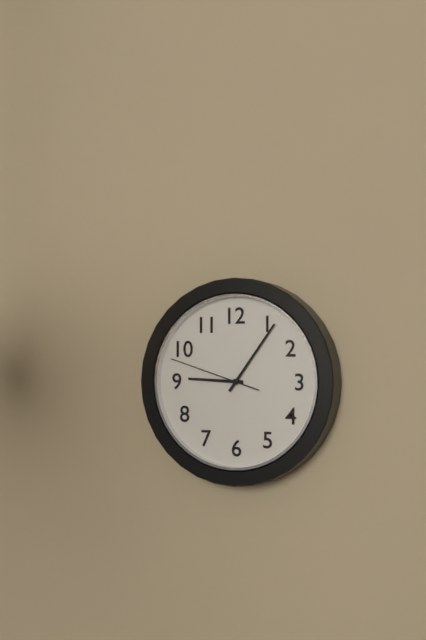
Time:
9:06:48
